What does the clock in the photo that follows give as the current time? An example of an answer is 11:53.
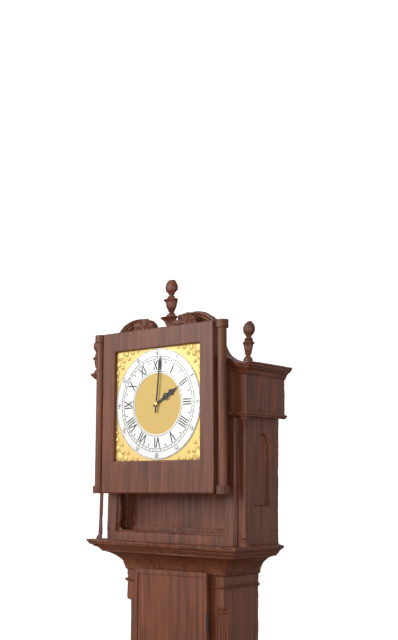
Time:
2:01
